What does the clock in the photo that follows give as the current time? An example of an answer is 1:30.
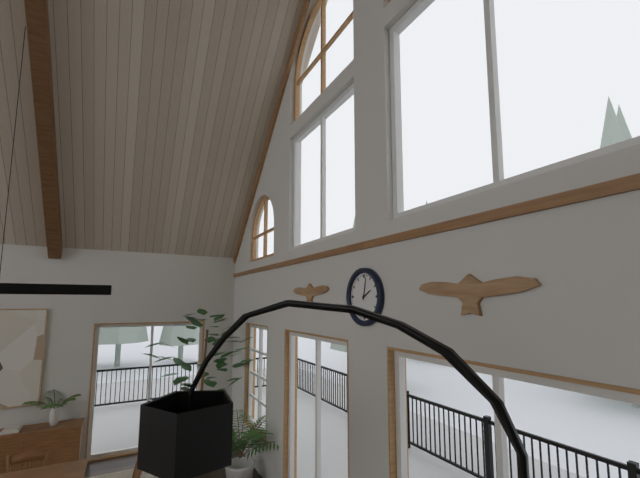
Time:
2:02
